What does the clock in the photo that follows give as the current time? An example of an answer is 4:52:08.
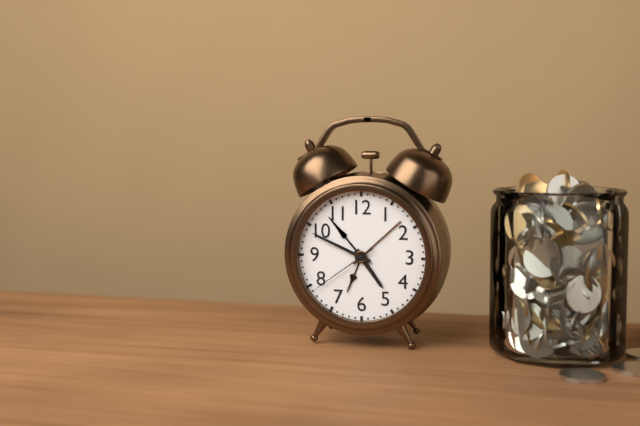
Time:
4:49:39
